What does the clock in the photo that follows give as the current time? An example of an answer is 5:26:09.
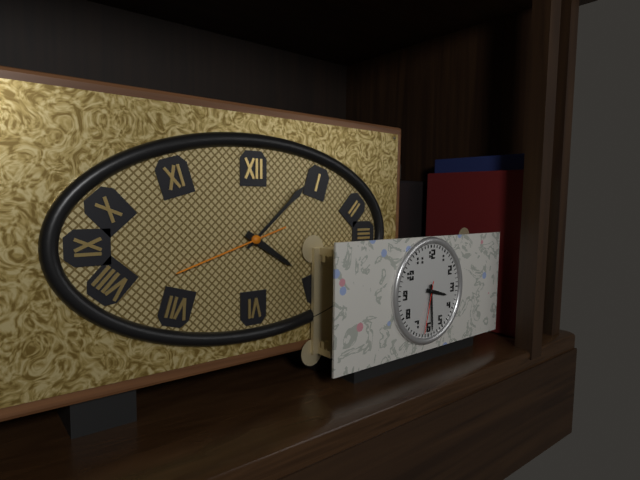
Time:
4:08:42
